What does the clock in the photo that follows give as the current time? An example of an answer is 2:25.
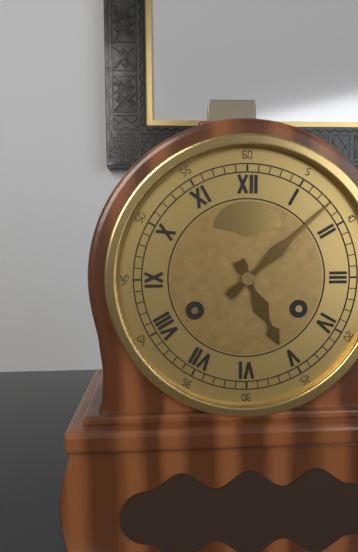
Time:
5:08
